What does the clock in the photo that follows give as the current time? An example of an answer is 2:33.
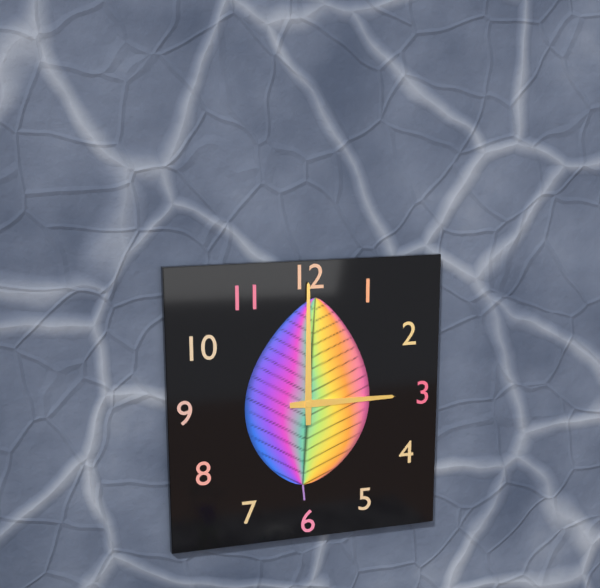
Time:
3:00
